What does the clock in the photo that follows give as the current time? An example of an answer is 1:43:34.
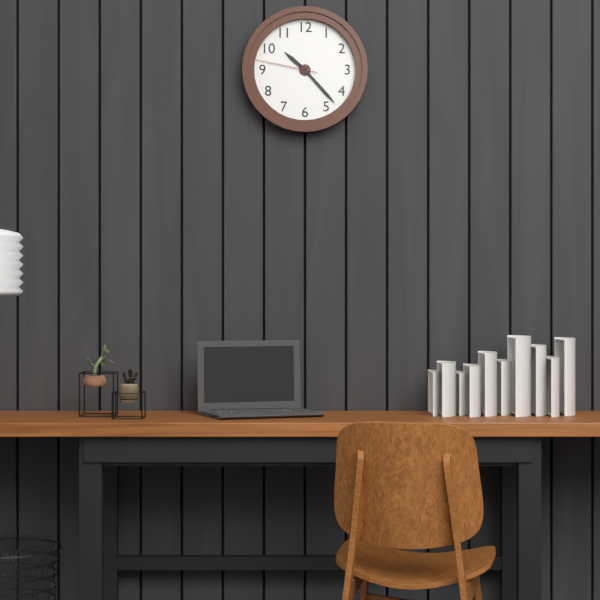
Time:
10:23:47
